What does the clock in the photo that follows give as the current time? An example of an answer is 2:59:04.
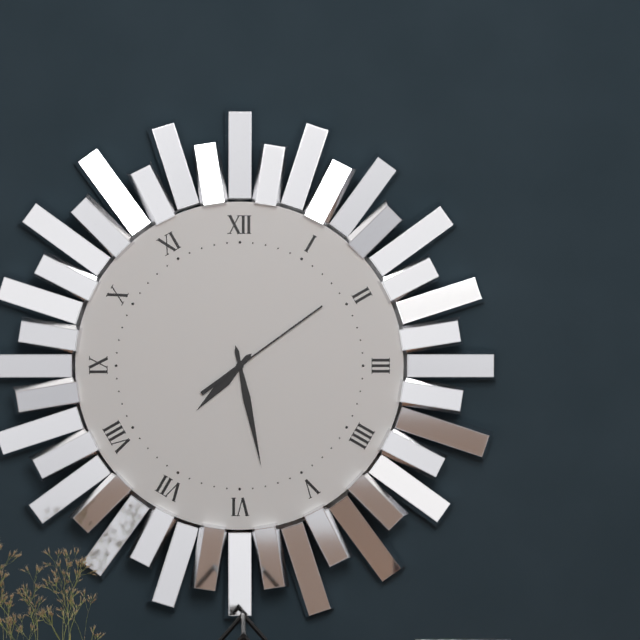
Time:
7:28:09
